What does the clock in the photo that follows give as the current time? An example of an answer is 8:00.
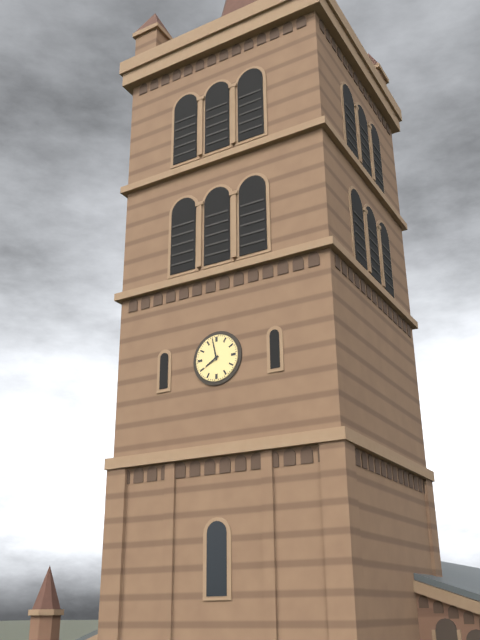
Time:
7:58
